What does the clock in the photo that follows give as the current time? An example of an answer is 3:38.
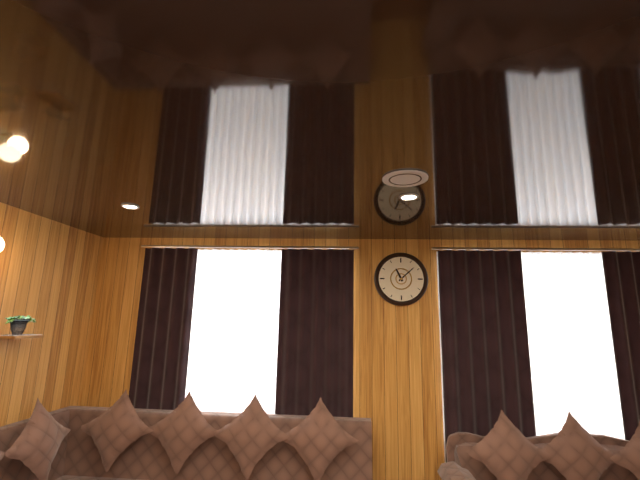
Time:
11:08
